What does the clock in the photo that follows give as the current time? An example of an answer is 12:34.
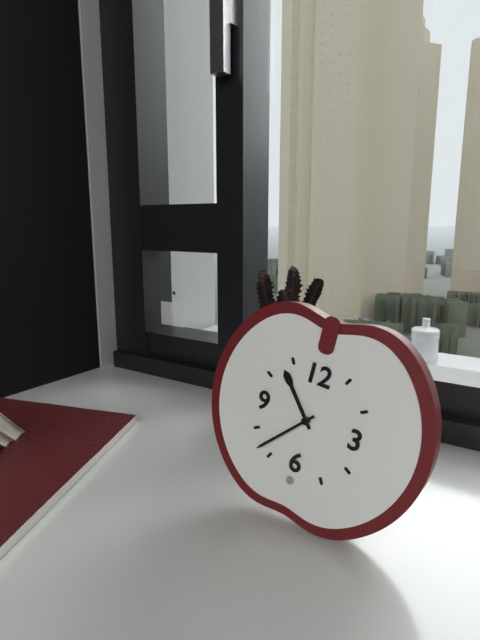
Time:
10:37
